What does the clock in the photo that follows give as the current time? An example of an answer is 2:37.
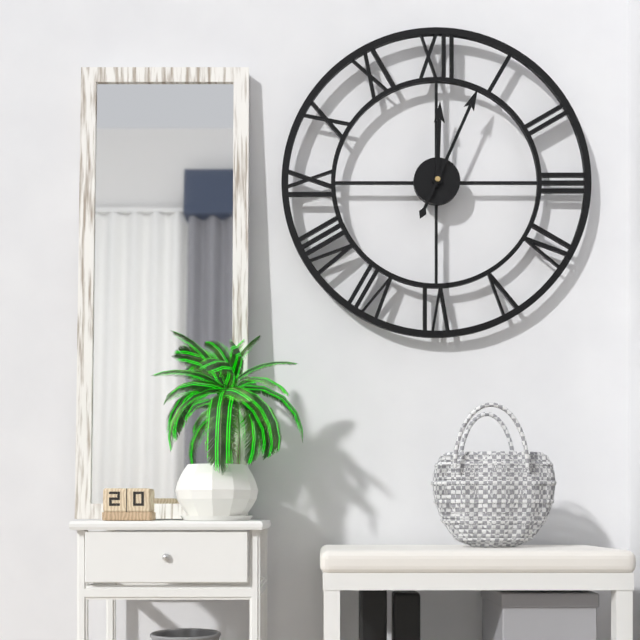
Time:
12:04
